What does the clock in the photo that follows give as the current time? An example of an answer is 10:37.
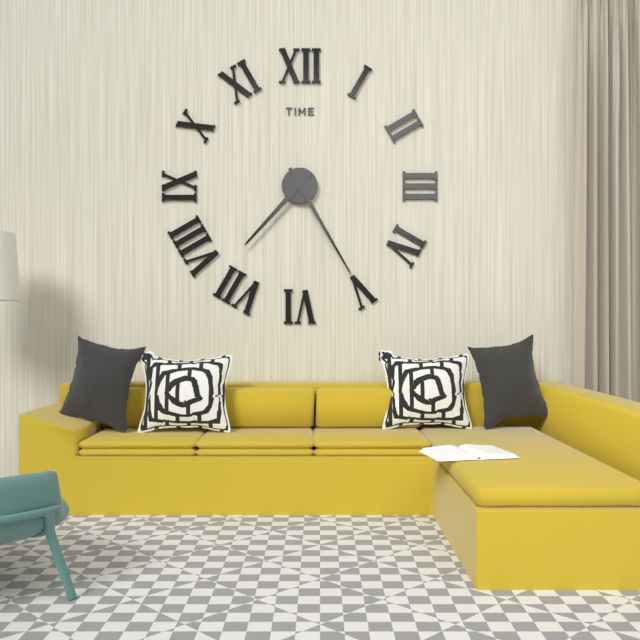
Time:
7:25
